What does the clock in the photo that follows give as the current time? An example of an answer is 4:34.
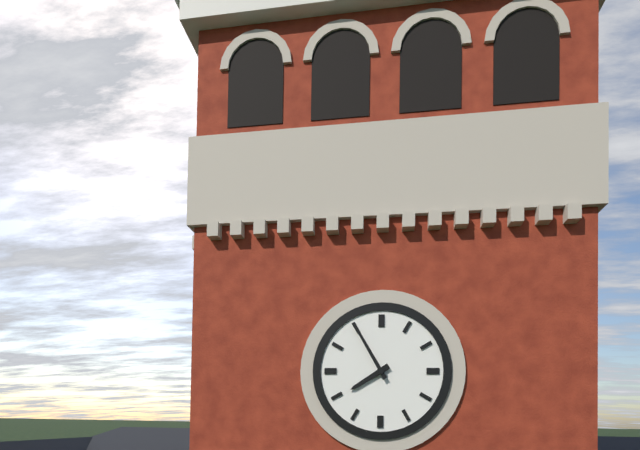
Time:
7:55
